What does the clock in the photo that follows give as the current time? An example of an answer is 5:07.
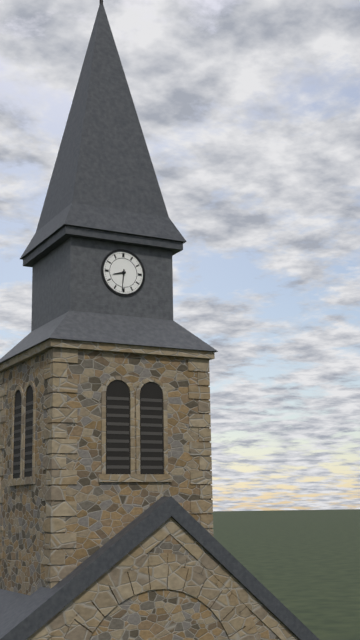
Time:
8:31
